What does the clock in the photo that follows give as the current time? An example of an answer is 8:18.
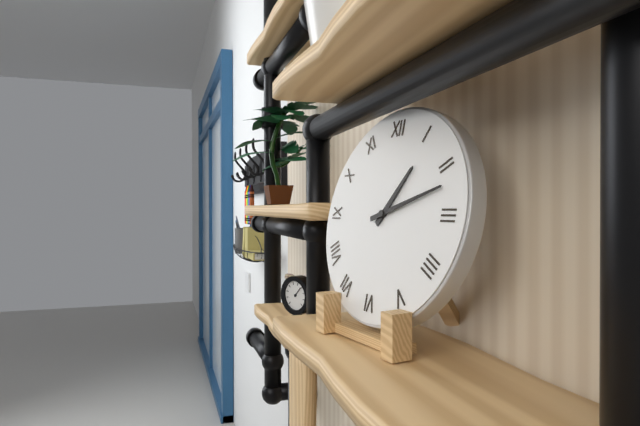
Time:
1:12
